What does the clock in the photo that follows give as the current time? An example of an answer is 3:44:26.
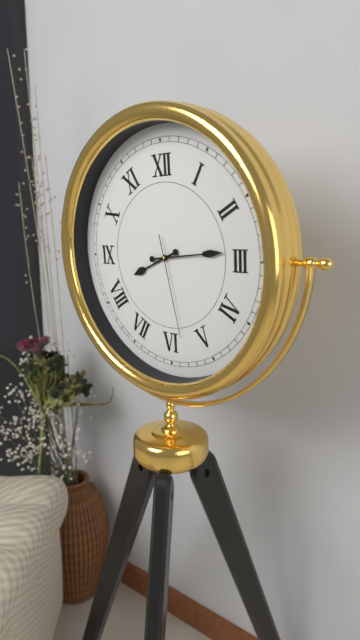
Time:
8:14:28
